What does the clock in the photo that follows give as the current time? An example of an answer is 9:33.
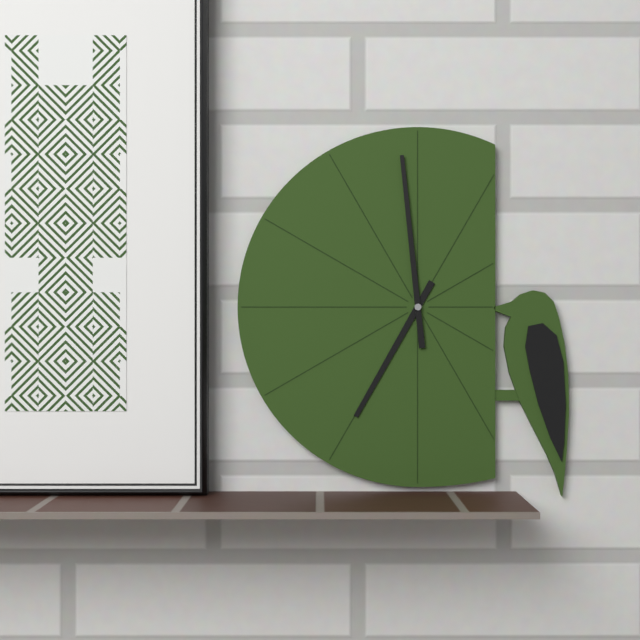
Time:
6:59
